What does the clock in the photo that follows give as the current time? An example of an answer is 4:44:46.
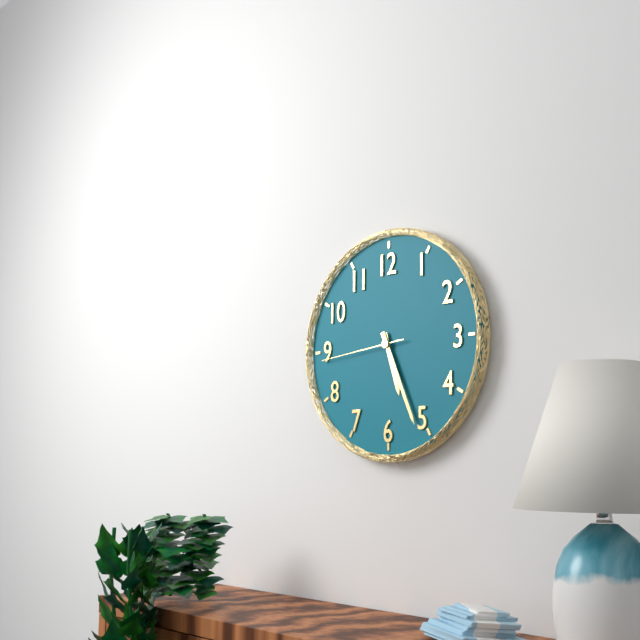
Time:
5:26:44
